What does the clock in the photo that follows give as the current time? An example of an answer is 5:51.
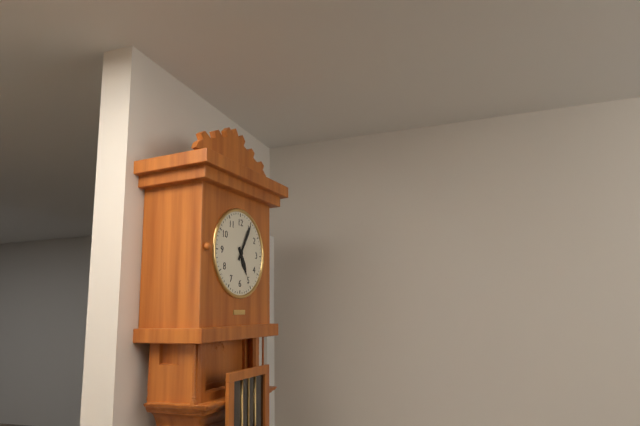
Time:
5:05
